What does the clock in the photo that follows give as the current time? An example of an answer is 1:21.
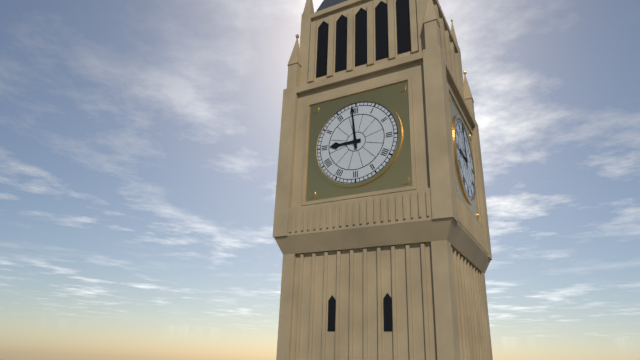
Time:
8:59
